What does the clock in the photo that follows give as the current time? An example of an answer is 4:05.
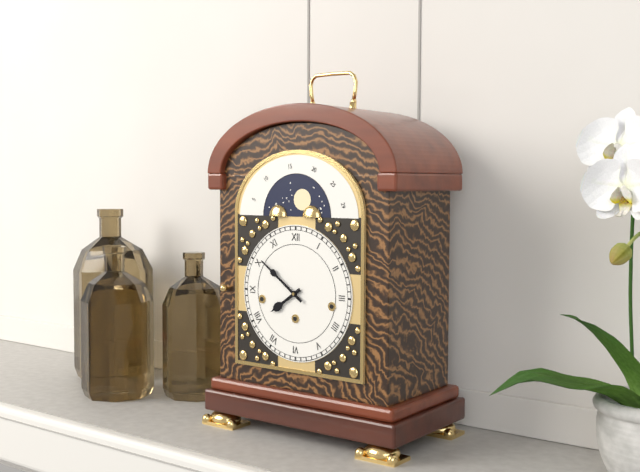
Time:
7:51
